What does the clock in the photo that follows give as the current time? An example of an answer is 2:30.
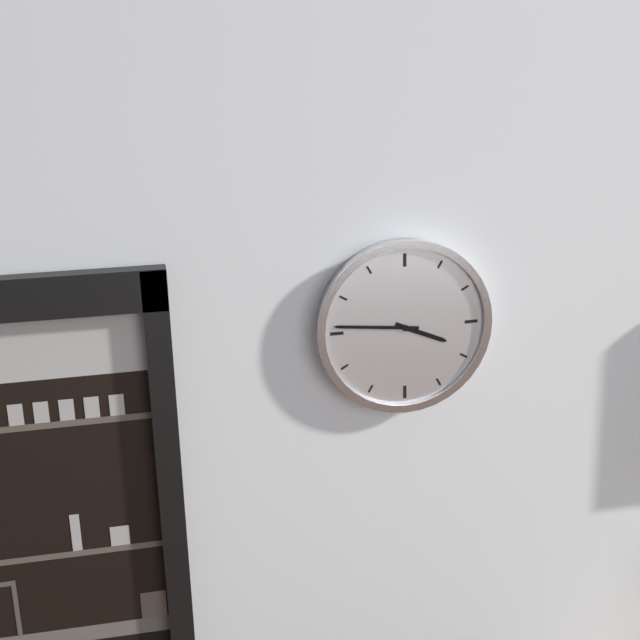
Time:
3:46
